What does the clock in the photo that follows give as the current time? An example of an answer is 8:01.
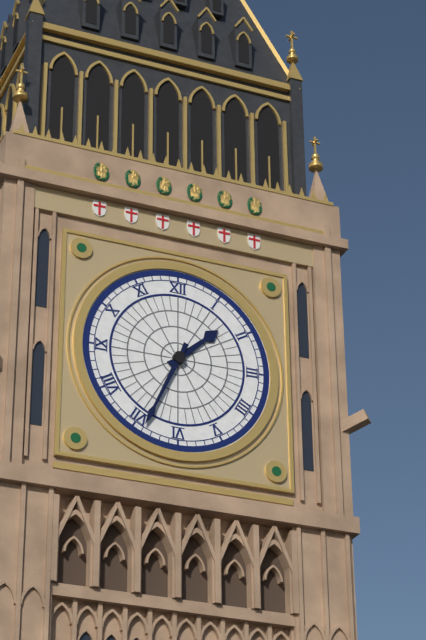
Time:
1:34
